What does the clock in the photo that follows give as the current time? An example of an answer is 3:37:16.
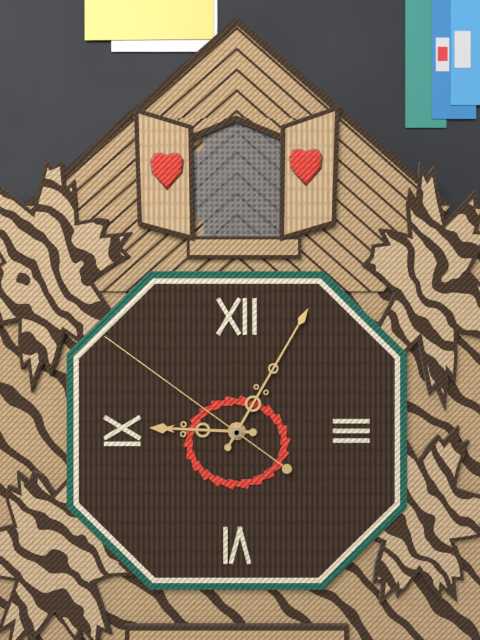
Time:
9:05:51
